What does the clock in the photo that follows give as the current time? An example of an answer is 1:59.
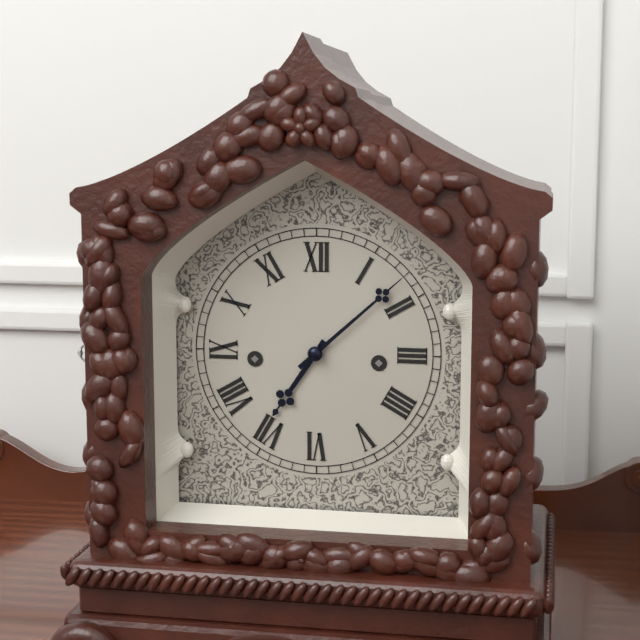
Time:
7:08
